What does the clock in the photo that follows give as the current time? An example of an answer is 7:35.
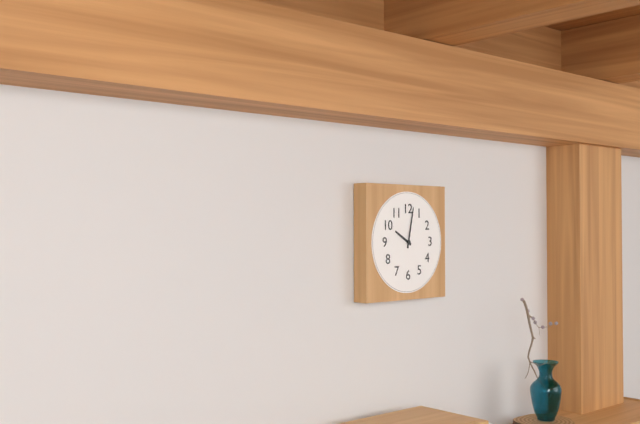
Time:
10:02
